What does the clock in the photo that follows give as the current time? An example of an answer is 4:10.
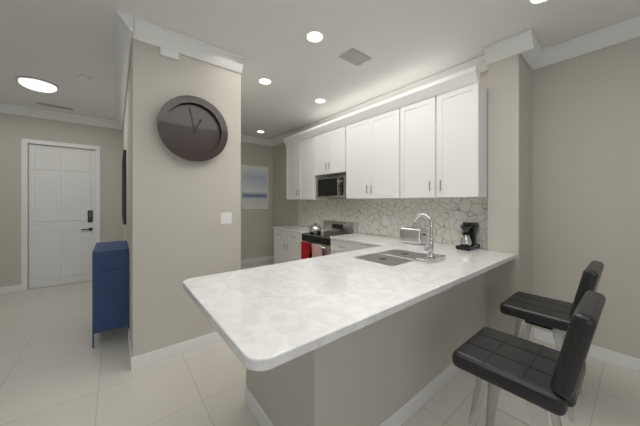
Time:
12:58
